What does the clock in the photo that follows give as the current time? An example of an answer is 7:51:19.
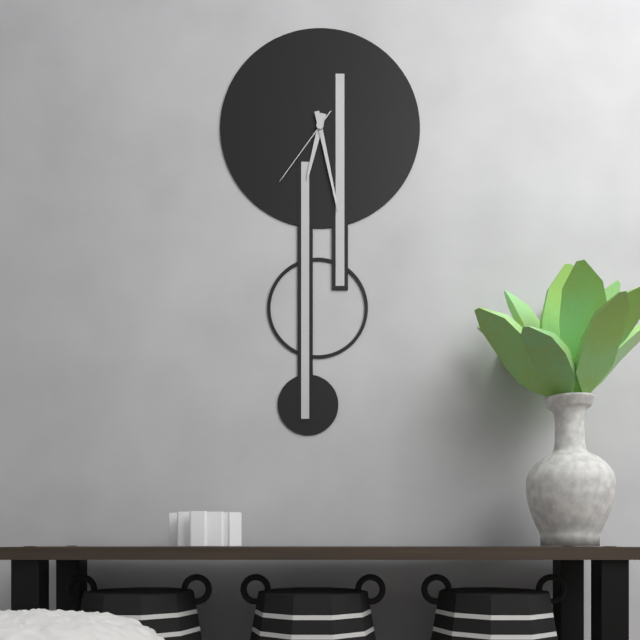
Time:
6:28:36
